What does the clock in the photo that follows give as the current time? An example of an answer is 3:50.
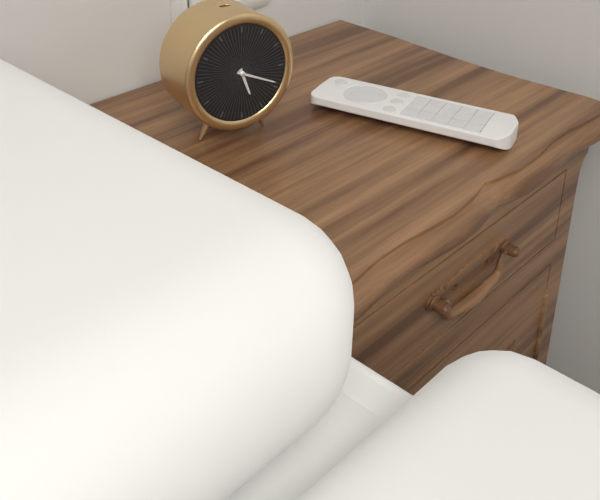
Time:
5:19
